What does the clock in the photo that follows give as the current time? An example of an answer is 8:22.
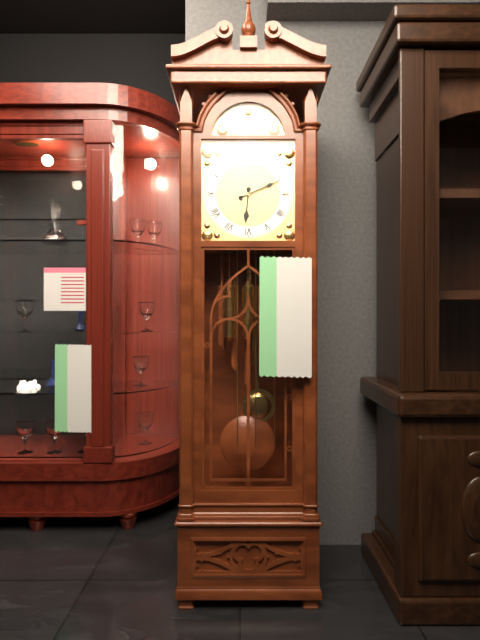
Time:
6:11
